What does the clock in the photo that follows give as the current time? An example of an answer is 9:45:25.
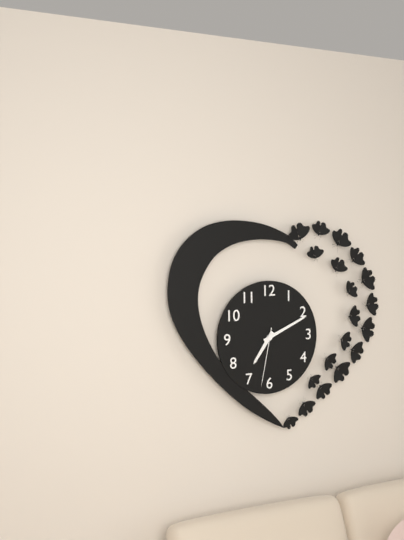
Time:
7:11:32
